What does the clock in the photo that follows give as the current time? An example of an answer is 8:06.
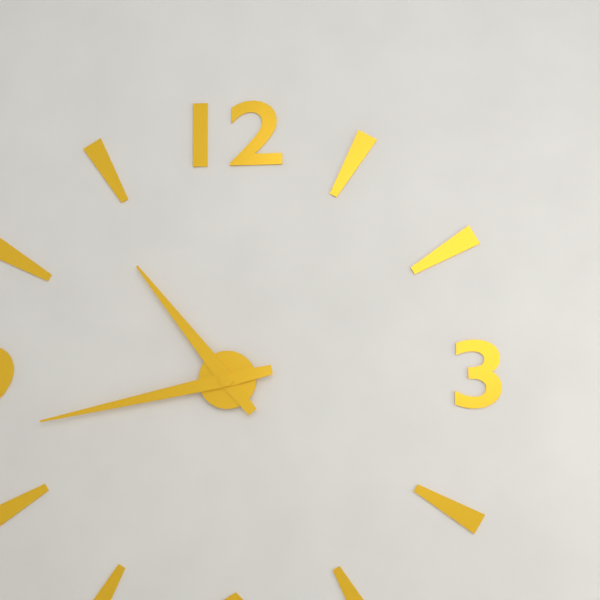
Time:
10:43
